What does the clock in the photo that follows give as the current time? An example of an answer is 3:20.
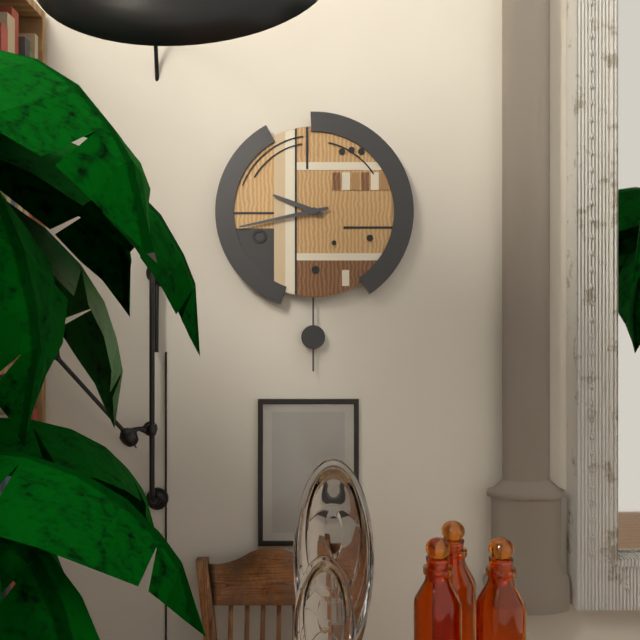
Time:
9:43
